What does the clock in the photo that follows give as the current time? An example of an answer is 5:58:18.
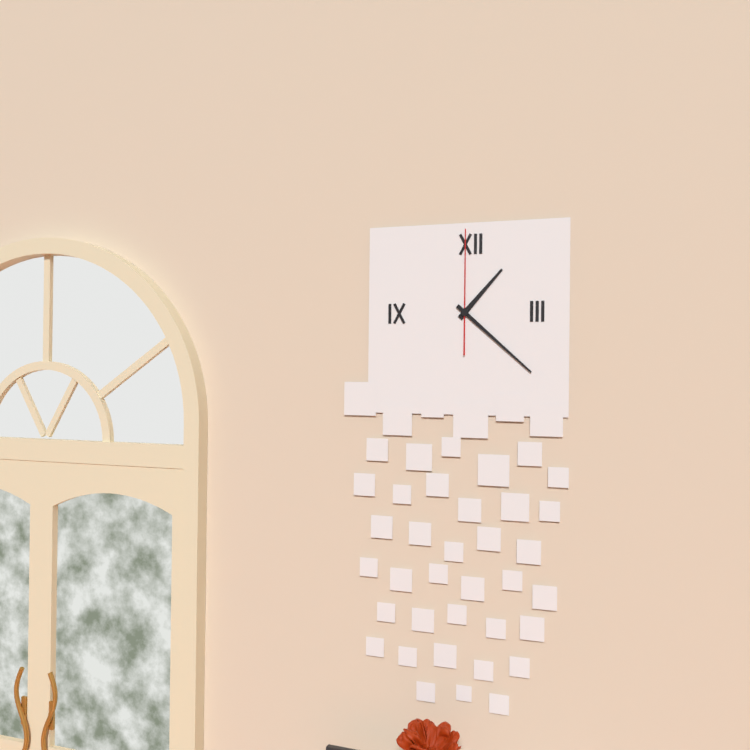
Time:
1:22:00
